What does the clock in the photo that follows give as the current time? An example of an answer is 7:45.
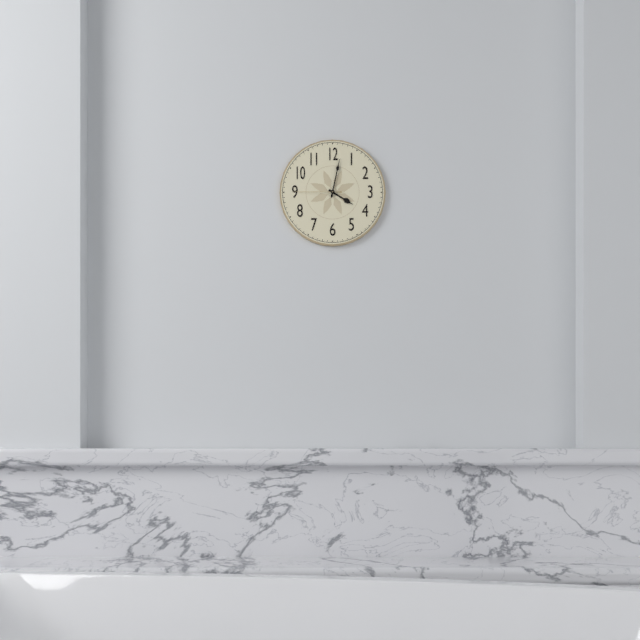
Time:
4:02
